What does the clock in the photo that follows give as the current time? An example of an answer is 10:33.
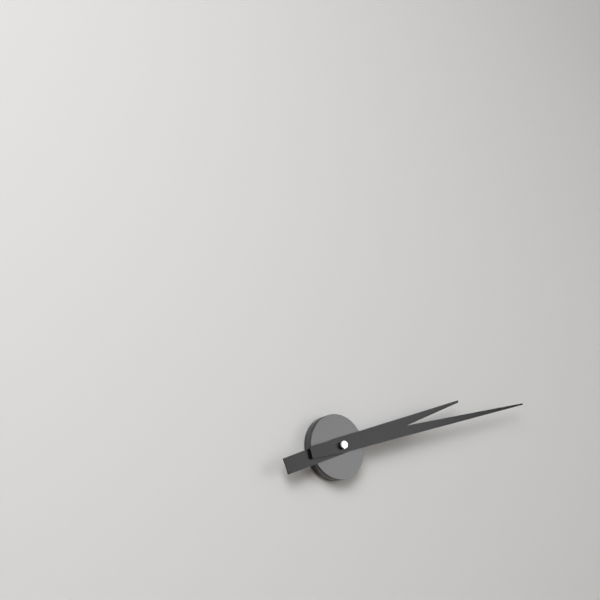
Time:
2:12
